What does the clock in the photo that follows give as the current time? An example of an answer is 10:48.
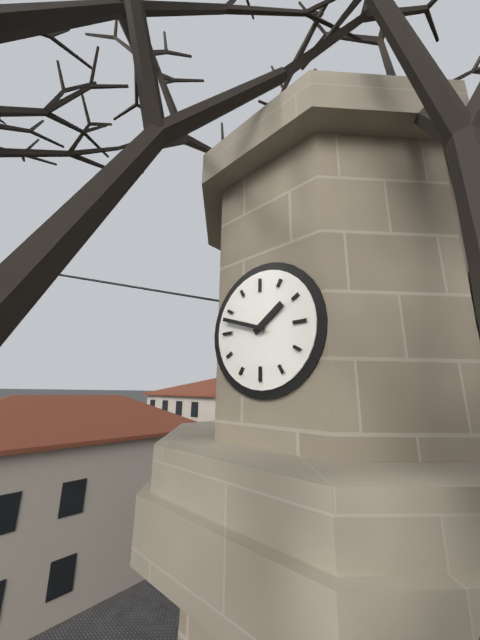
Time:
1:48
